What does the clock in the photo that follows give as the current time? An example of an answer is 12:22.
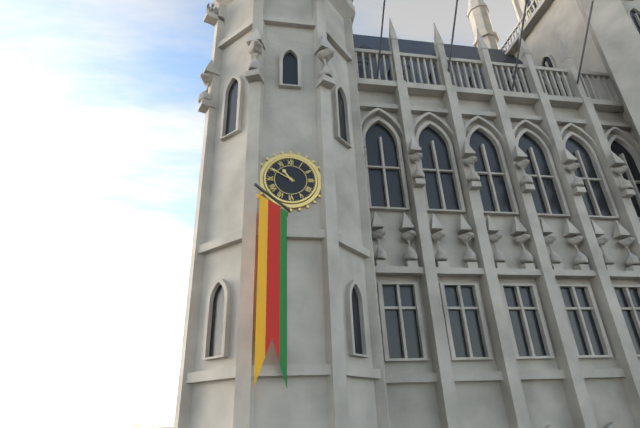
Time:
10:50
